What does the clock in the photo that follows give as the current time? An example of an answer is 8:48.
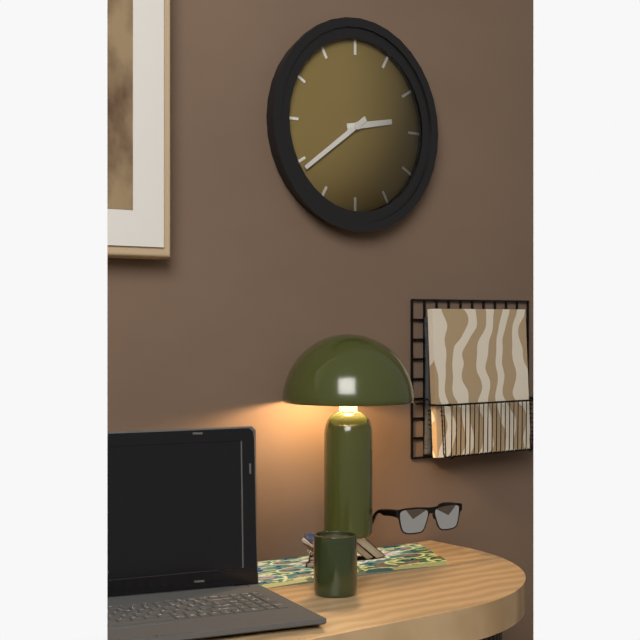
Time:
2:39
